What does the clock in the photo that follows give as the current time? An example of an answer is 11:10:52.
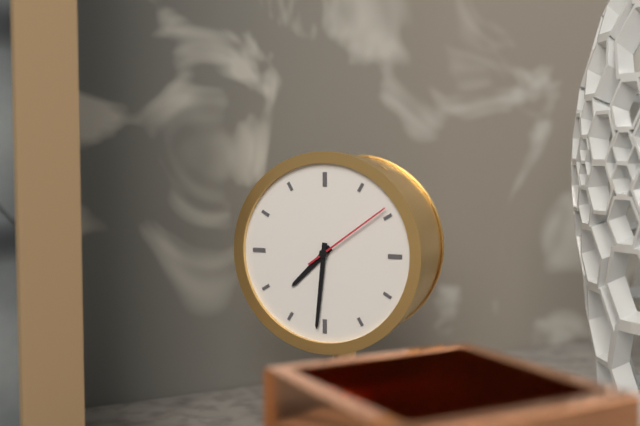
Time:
7:31:09
